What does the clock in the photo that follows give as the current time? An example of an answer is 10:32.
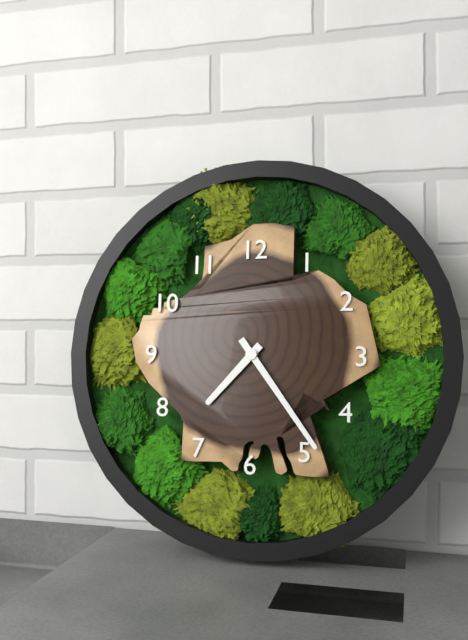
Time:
7:24
